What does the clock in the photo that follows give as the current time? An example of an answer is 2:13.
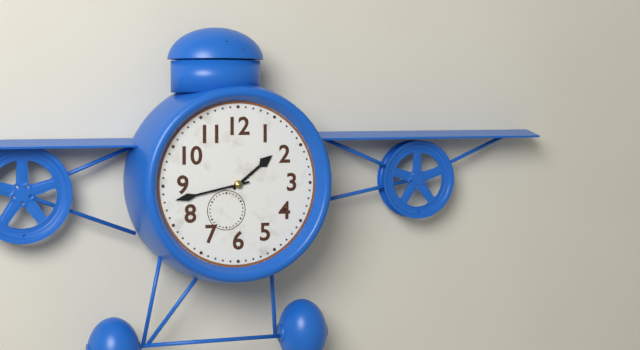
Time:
1:43
